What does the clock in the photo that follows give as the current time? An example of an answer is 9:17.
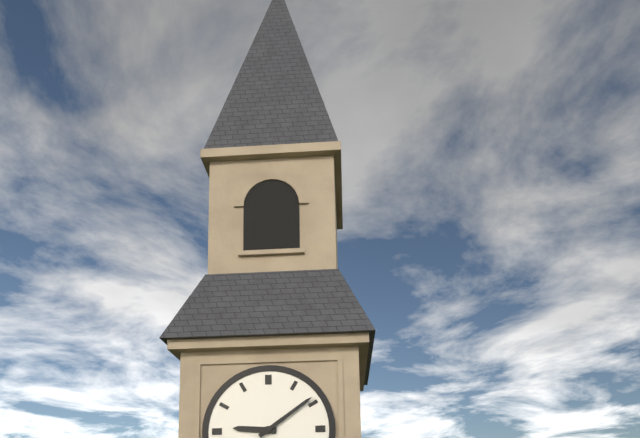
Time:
9:09
